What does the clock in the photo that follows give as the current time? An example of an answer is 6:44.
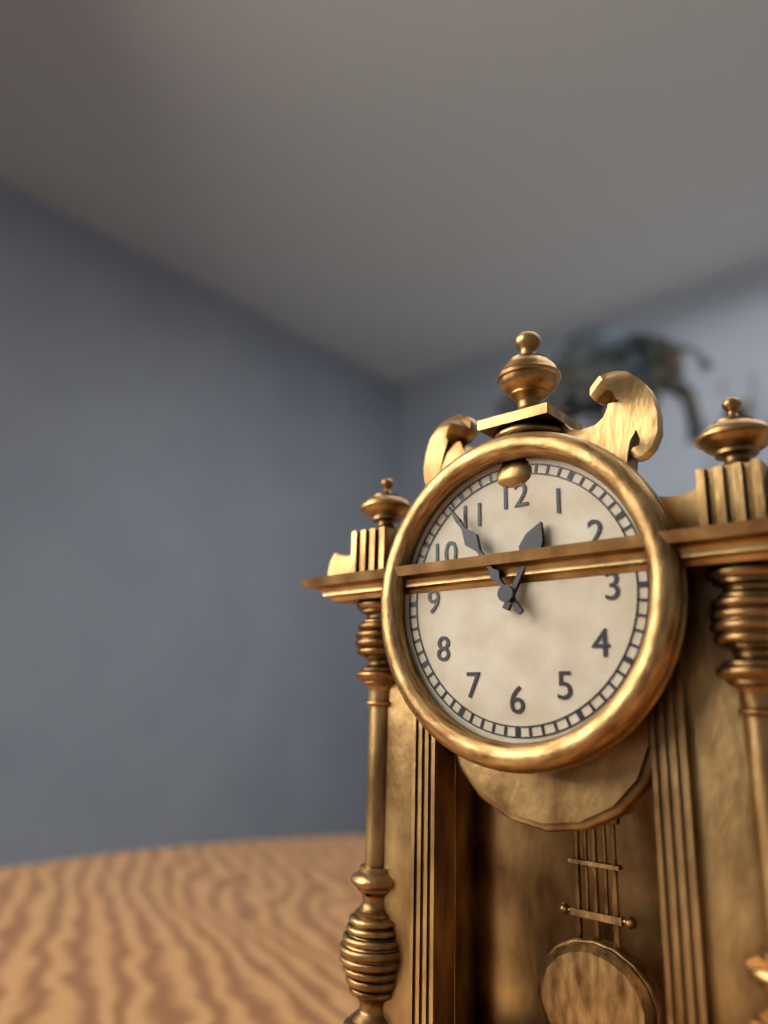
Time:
12:54
